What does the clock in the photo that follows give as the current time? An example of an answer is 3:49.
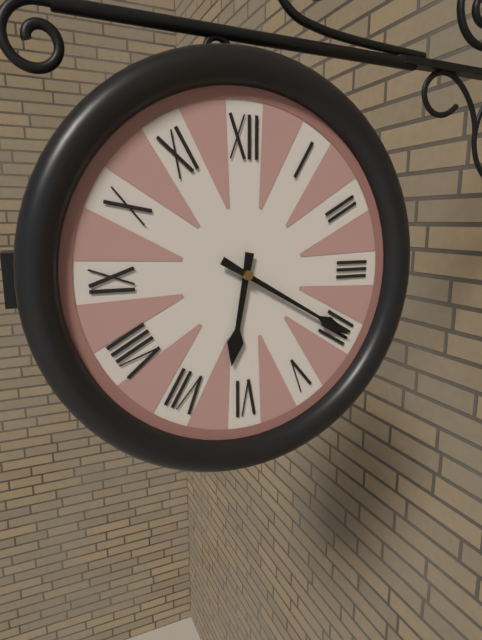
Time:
6:20
